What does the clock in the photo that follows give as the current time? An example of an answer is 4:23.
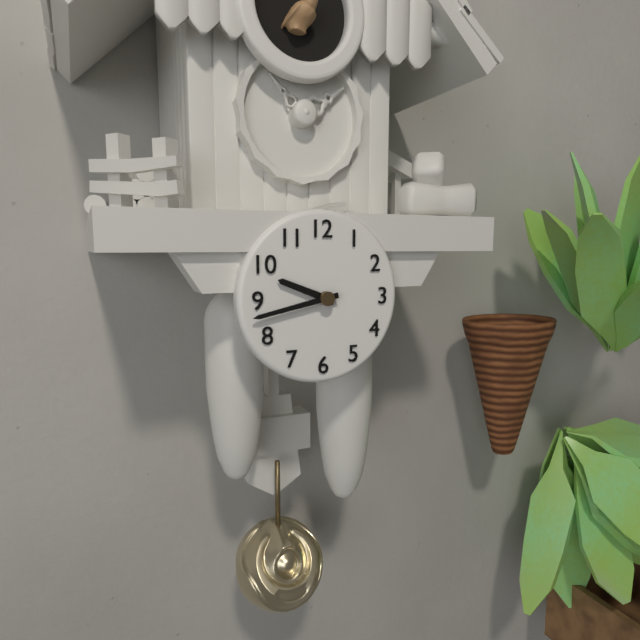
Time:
9:43
